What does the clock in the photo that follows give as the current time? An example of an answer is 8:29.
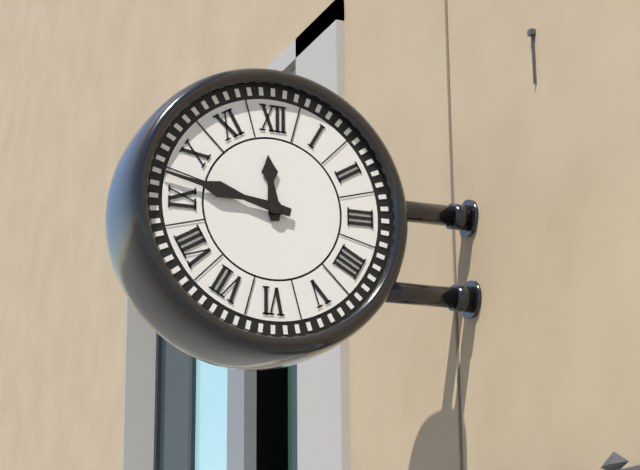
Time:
11:47
